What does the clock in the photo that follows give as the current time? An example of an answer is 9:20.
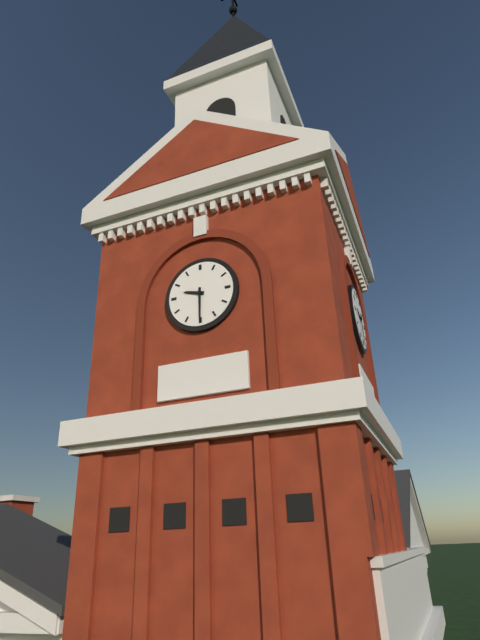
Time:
9:30
